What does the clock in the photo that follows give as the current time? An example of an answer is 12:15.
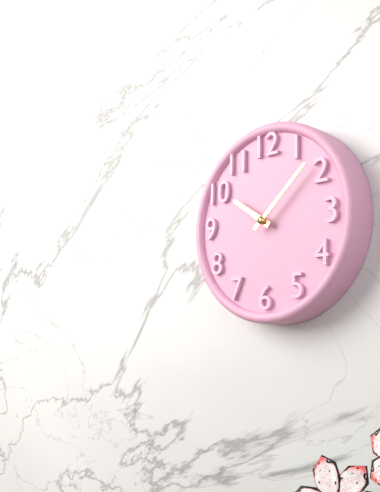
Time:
10:08
